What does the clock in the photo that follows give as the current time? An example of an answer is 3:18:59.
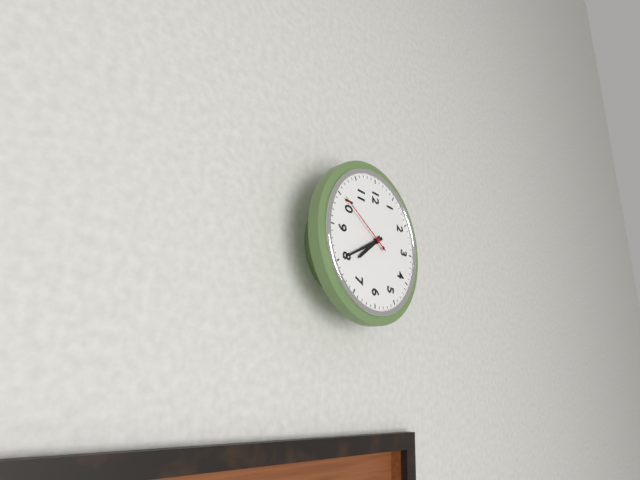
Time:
7:40:50
